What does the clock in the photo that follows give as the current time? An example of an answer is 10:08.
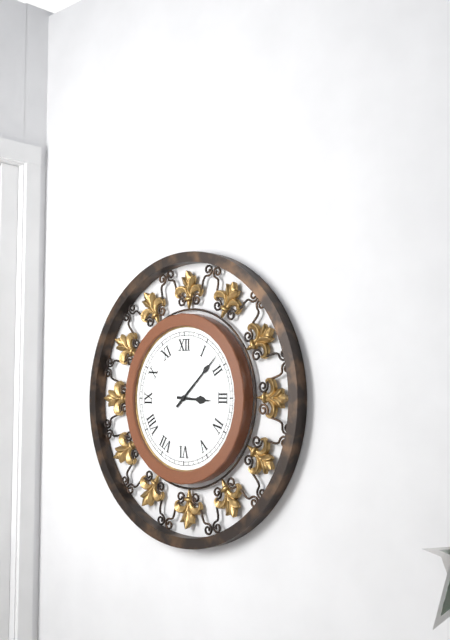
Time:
3:08
